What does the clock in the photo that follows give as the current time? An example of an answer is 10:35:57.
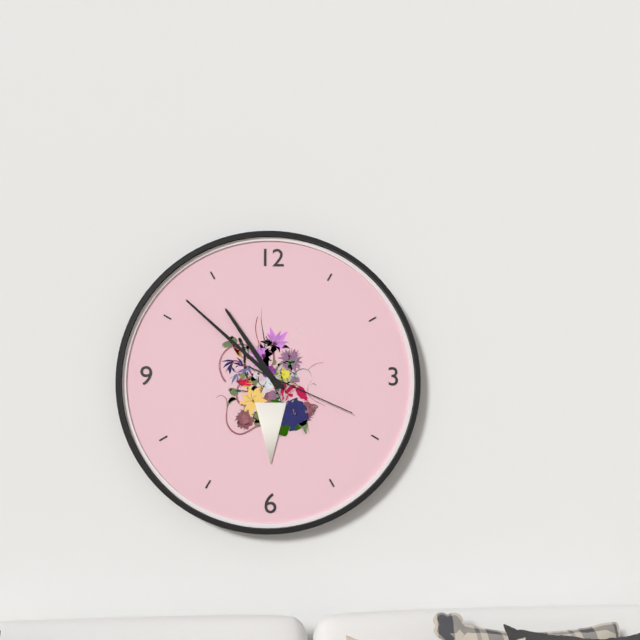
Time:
10:52:19
